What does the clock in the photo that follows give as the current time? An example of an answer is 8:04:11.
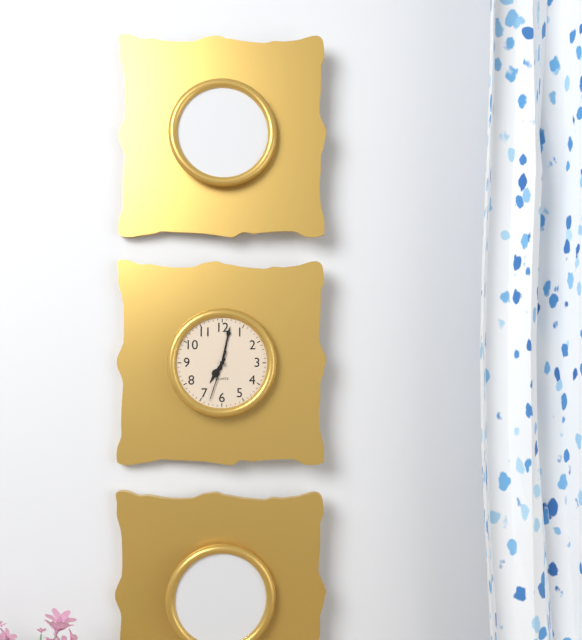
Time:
7:02:33
